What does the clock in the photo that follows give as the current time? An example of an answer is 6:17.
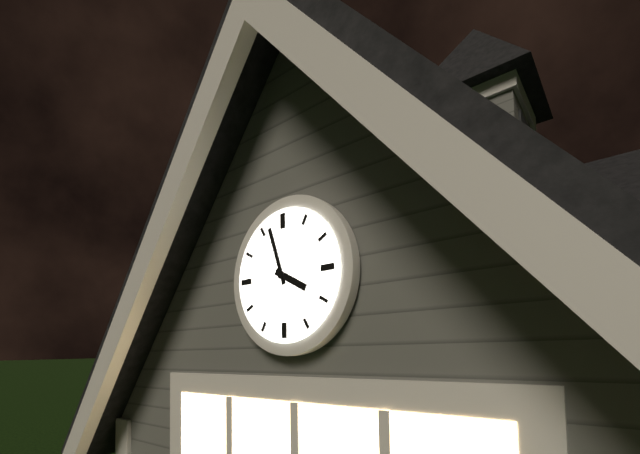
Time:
3:57
